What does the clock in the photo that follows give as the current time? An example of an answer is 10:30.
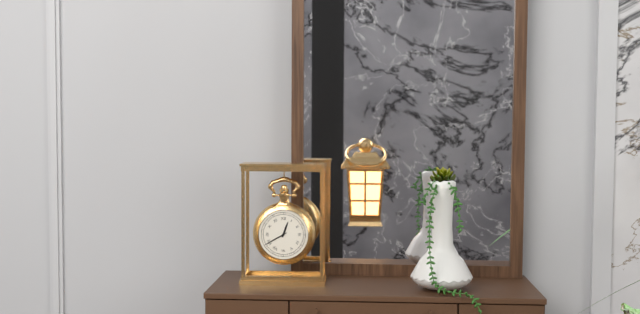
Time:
12:40
